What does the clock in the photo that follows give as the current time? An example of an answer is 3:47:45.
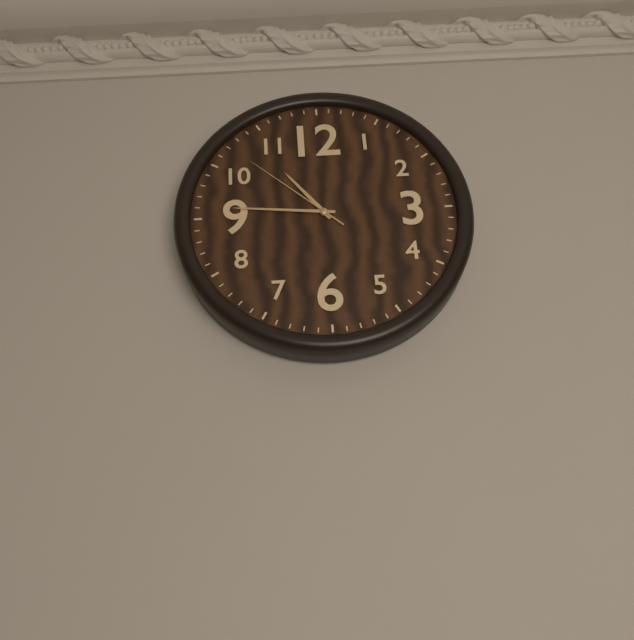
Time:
10:46:52
